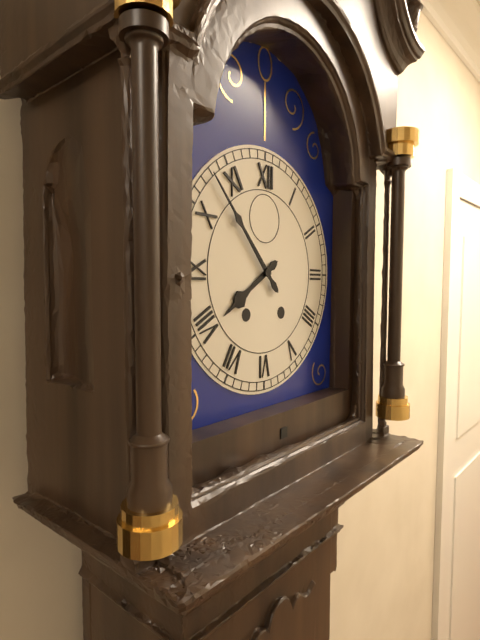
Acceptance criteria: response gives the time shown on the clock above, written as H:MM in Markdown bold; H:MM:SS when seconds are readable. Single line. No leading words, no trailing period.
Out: **7:53**
